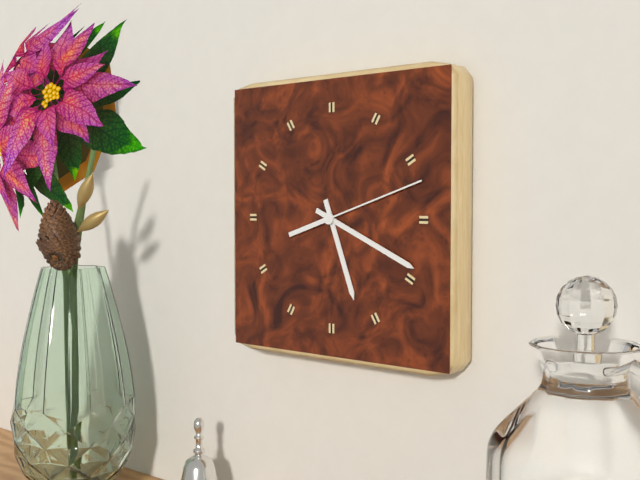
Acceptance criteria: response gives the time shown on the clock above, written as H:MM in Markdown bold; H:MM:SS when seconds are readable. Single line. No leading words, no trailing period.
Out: **5:19:12**
